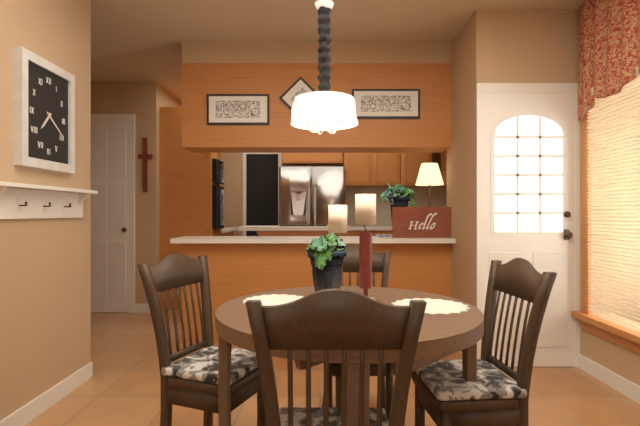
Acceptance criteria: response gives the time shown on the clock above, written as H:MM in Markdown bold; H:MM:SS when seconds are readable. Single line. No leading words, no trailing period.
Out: **7:21**
